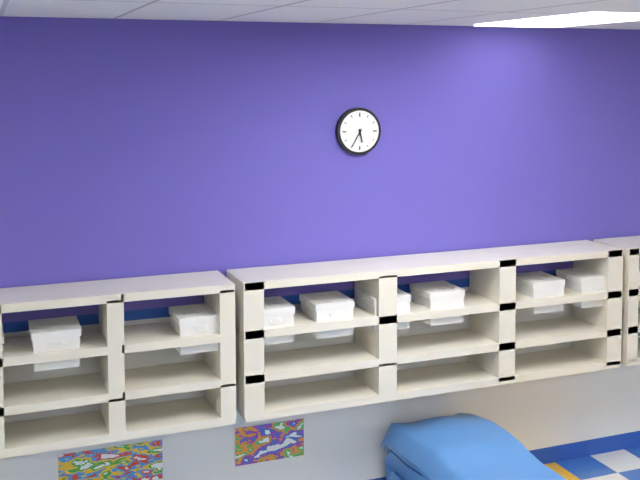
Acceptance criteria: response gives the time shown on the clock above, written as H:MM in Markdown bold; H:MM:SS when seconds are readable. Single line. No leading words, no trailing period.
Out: **5:35**
